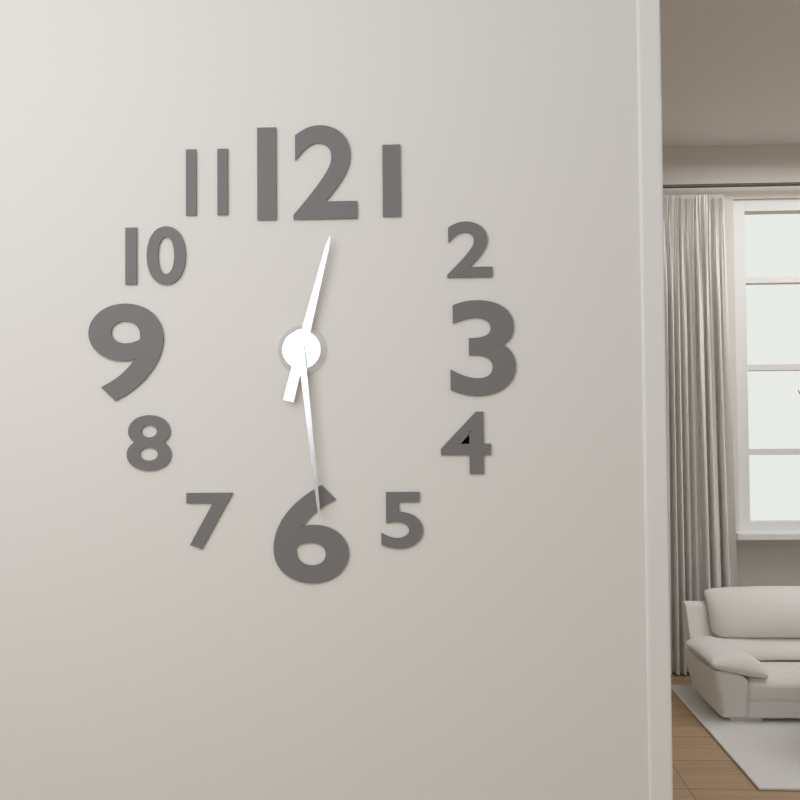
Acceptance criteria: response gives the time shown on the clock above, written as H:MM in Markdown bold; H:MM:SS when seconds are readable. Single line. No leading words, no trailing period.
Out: **12:29**
